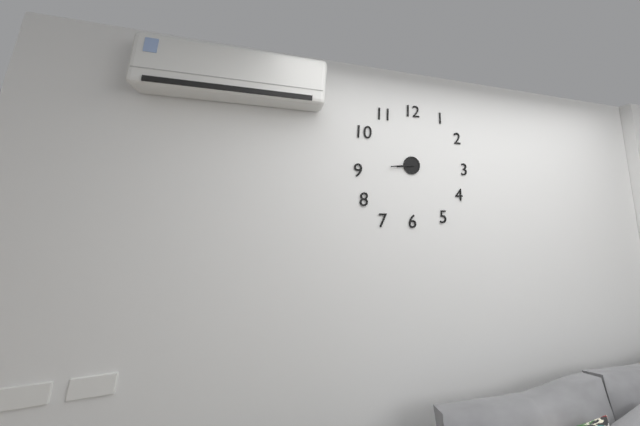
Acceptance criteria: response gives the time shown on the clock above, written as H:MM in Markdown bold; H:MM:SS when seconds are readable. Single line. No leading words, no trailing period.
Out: **8:44**
